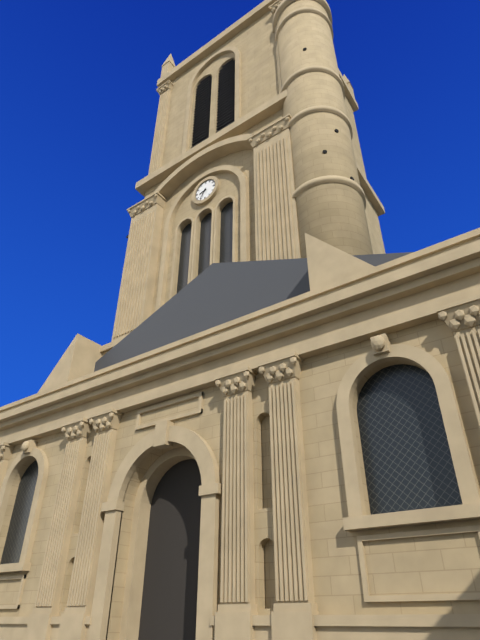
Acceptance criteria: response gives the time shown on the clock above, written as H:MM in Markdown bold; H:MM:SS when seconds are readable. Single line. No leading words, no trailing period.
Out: **8:35**
